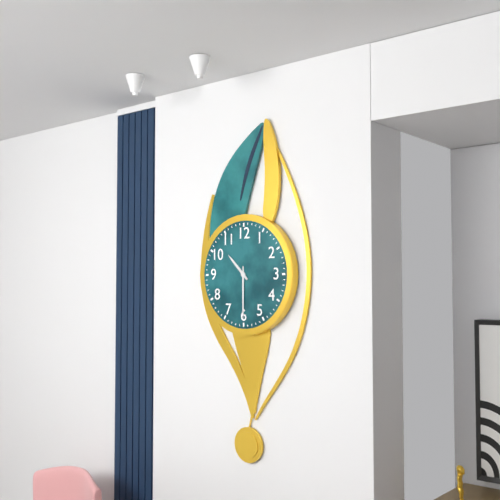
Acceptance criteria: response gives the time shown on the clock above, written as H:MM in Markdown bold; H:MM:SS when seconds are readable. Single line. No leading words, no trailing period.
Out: **10:30**
